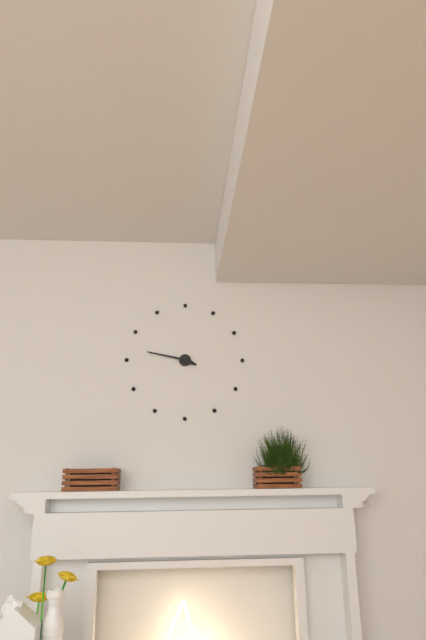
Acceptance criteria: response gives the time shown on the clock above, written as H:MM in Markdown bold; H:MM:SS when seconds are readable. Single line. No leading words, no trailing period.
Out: **3:47**
